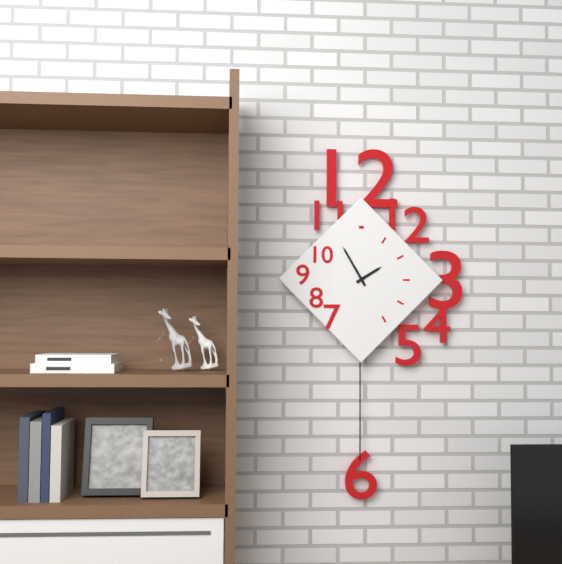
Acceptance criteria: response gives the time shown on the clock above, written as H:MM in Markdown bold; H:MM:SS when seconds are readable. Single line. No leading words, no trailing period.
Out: **1:55**
